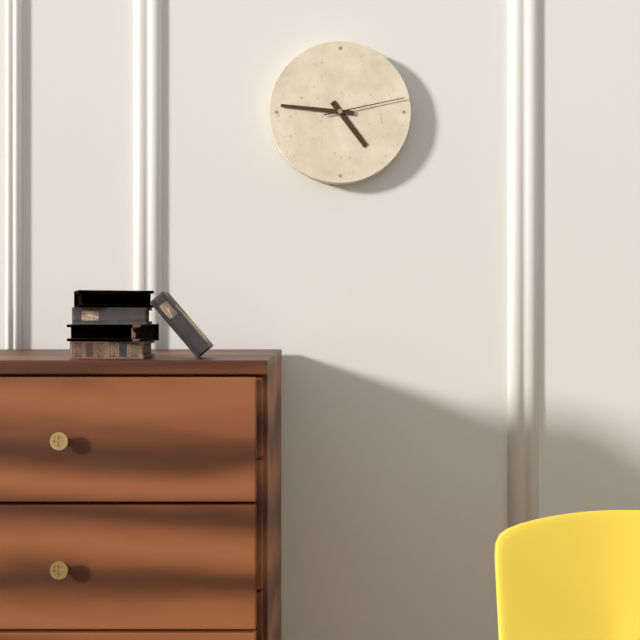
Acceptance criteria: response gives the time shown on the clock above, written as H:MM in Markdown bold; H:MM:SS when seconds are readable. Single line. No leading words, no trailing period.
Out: **4:46:13**
